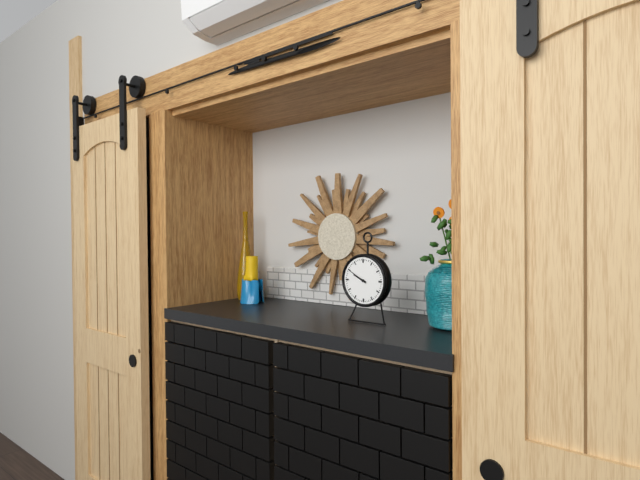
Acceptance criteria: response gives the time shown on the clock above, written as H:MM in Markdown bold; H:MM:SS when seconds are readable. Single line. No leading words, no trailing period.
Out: **9:50**
